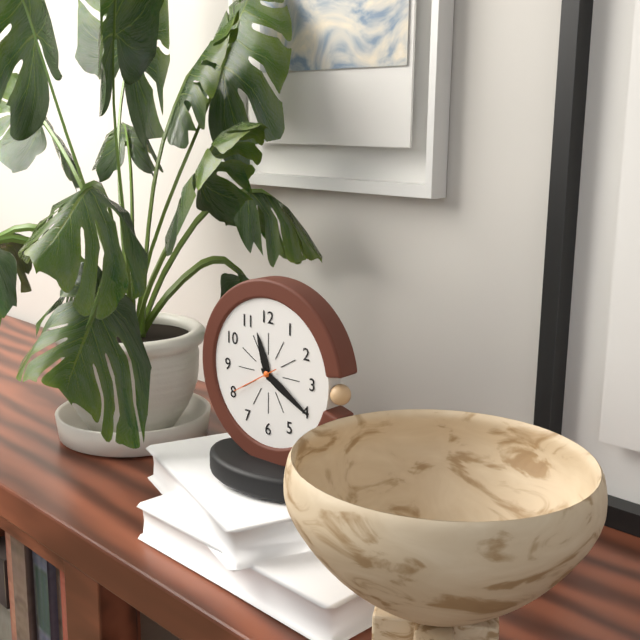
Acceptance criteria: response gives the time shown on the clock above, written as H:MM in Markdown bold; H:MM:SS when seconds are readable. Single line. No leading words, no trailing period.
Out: **11:20:40**
